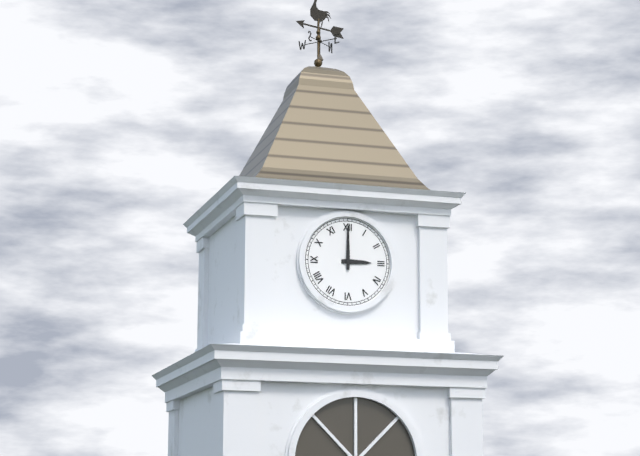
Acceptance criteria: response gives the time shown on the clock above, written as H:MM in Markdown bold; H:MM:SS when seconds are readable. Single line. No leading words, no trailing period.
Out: **3:00**
